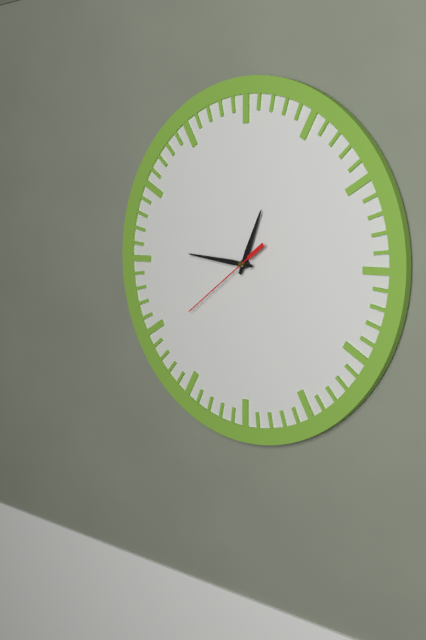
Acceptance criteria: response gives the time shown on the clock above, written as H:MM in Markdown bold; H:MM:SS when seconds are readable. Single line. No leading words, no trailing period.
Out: **12:46:39**
